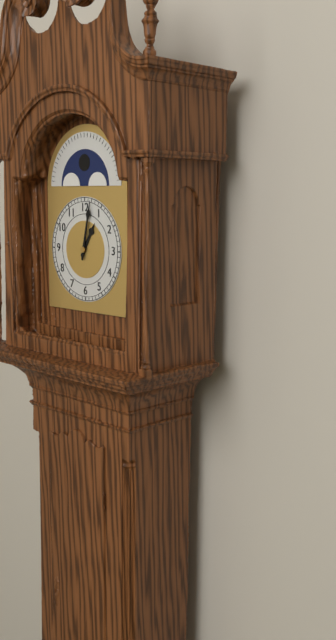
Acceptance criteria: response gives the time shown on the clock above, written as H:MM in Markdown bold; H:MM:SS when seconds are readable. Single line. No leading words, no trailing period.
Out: **1:02**
